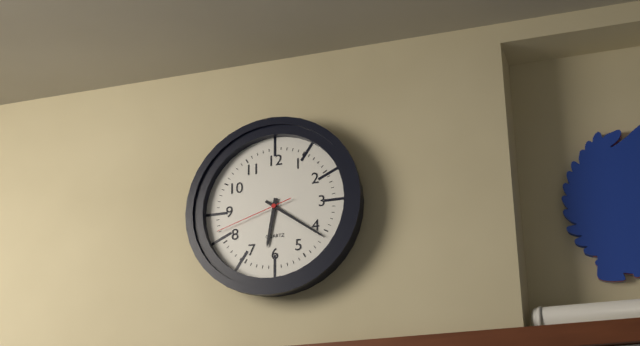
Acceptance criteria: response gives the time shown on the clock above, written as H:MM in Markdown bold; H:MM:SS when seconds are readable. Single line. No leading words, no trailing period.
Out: **6:21:42**
